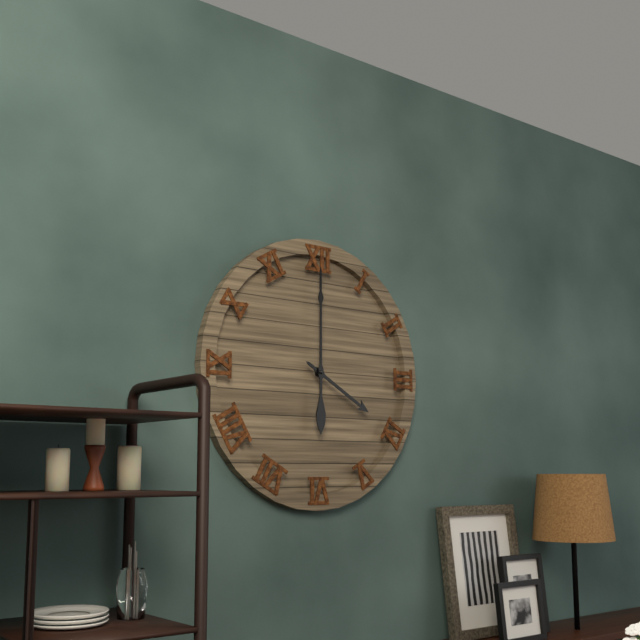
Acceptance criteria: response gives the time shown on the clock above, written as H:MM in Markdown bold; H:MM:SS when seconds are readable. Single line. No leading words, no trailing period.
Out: **4:00**
